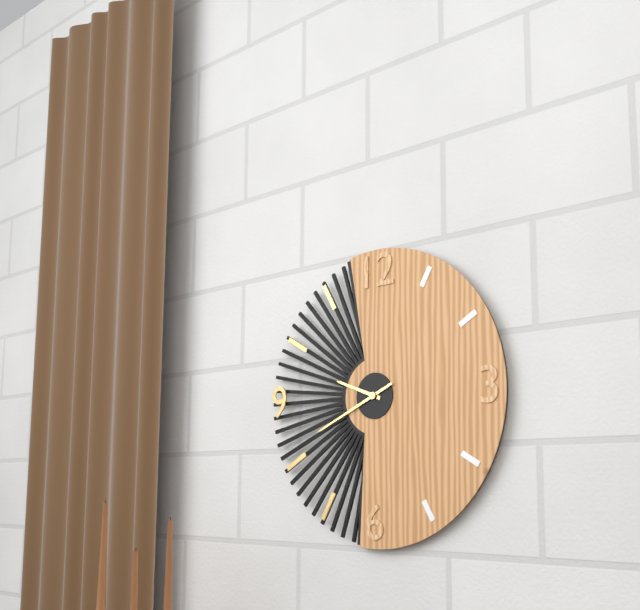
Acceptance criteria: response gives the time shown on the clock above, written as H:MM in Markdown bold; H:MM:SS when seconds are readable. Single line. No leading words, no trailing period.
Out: **9:41**
